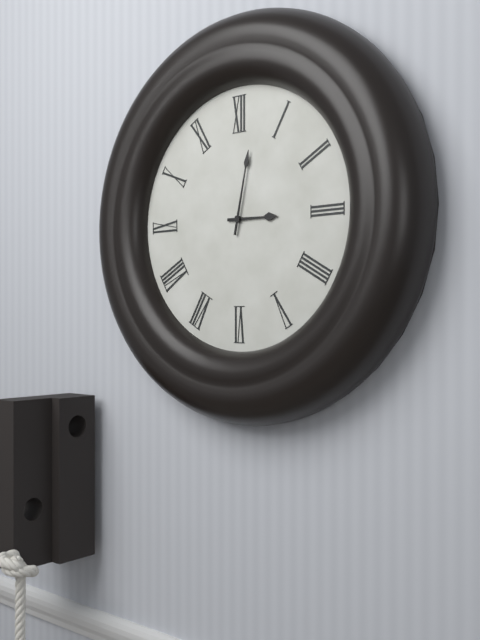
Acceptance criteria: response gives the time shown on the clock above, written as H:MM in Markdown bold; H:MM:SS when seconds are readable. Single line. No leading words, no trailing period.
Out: **3:02**
